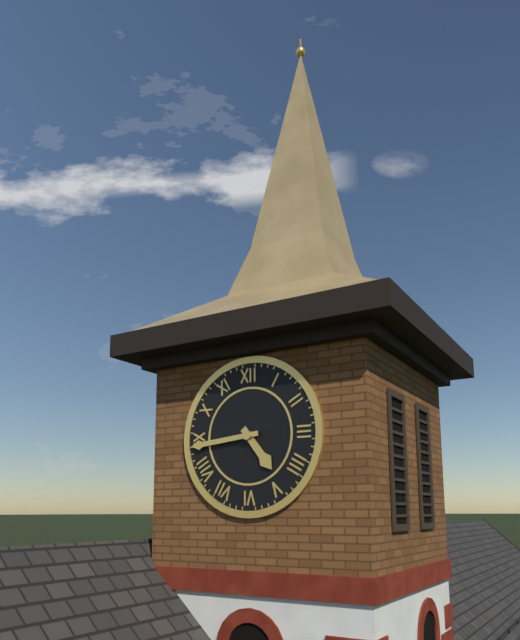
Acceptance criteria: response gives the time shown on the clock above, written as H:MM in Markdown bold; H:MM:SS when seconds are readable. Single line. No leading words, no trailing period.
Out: **4:44**
